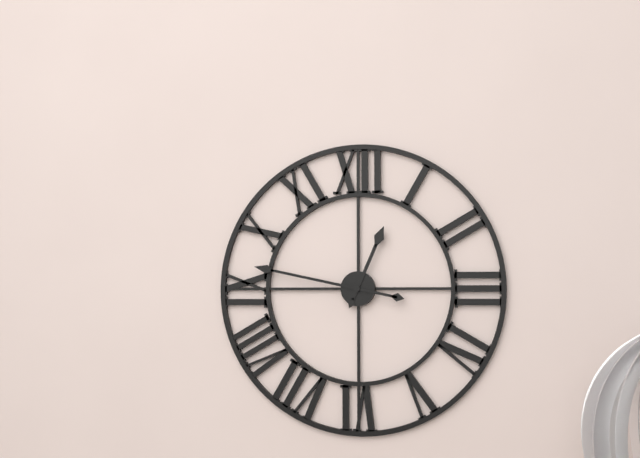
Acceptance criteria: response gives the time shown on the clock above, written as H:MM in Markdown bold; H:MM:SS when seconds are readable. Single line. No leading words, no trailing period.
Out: **12:47**
